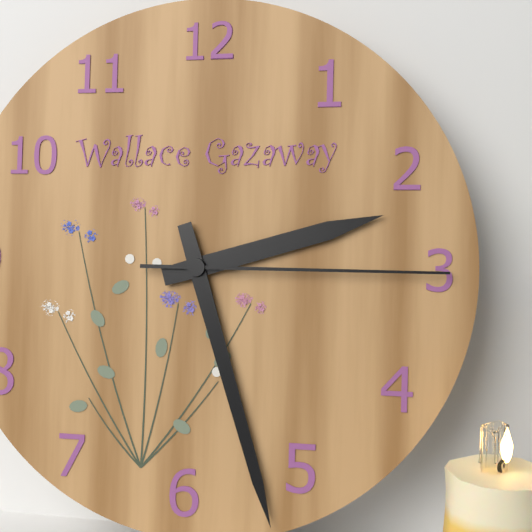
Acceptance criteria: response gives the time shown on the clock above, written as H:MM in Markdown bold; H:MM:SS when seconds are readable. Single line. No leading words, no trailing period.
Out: **2:27:15**
